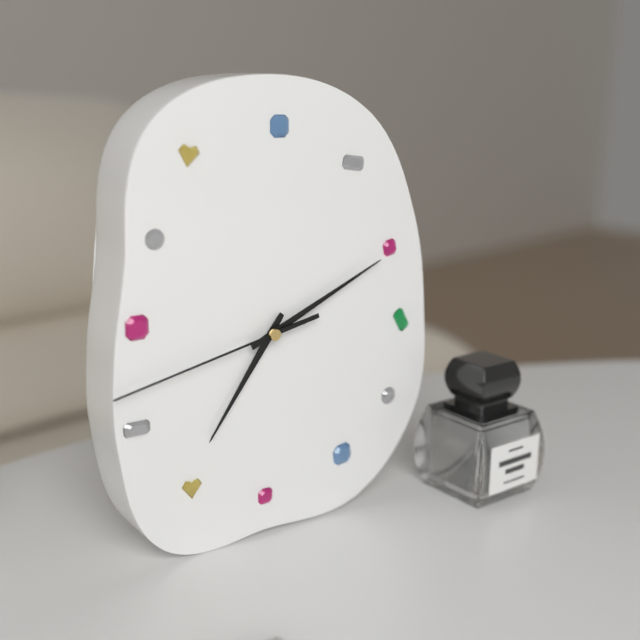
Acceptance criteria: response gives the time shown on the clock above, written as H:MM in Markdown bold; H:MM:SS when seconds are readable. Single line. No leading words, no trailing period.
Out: **7:11:43**
